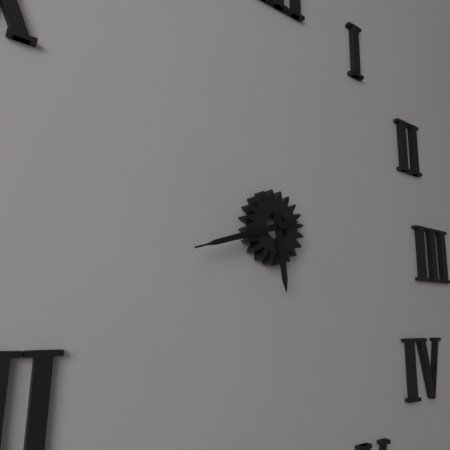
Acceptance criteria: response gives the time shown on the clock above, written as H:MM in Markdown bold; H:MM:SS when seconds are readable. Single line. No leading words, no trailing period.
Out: **5:42:42**
